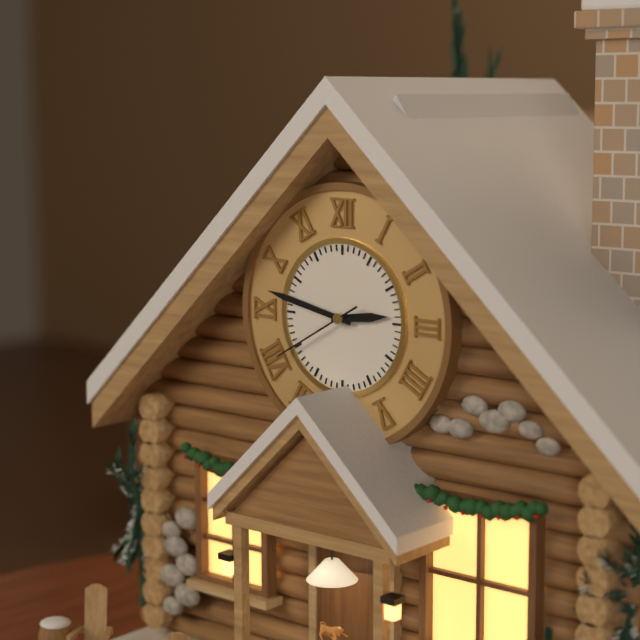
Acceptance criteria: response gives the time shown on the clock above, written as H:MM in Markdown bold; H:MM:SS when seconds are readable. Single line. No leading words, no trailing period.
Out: **2:47:40**
